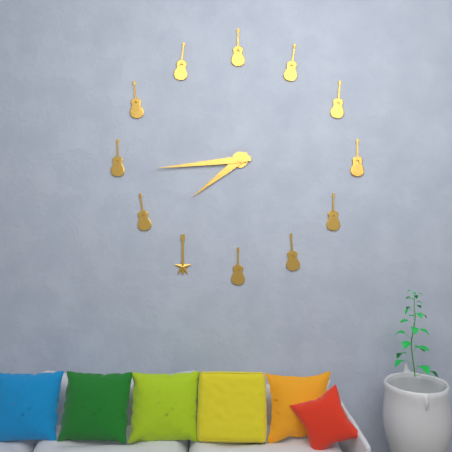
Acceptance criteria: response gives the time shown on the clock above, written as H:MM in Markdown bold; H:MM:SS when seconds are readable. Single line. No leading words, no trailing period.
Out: **7:44**
